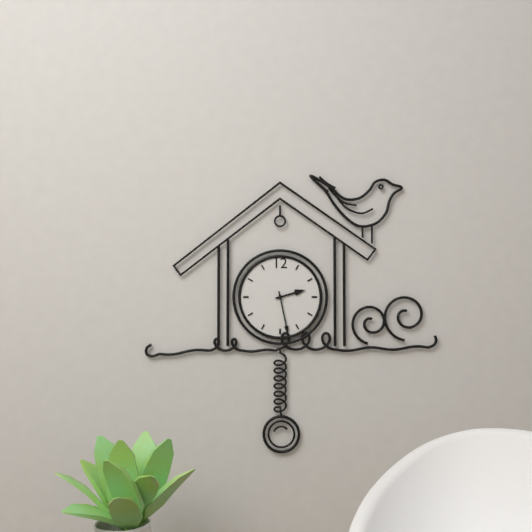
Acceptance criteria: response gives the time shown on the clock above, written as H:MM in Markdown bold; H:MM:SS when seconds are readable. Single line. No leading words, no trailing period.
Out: **2:28**
